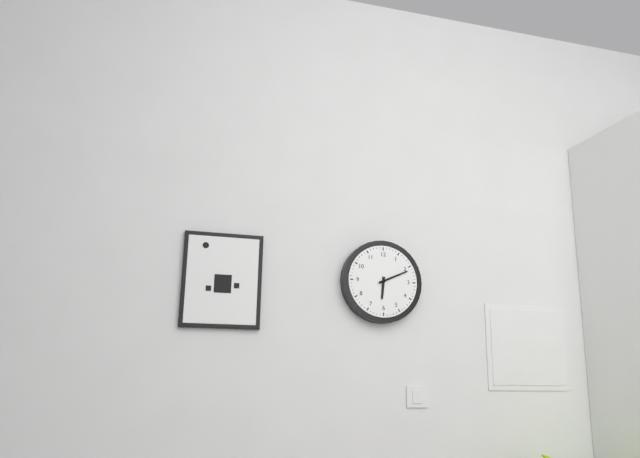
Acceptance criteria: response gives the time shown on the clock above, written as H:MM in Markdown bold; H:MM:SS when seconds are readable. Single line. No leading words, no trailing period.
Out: **6:11**
